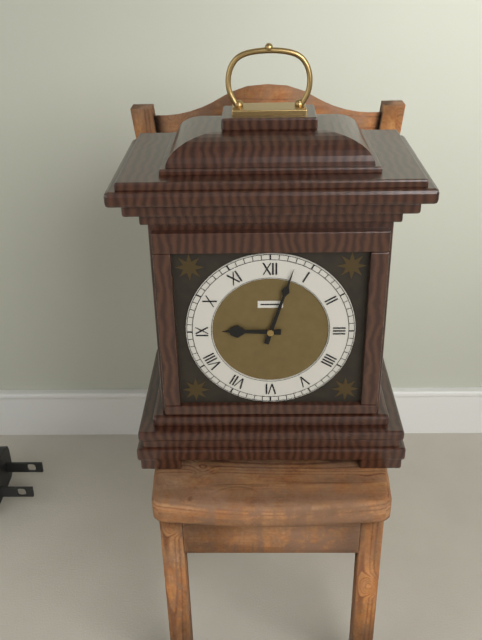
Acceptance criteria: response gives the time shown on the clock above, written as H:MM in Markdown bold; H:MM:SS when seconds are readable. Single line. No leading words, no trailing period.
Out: **9:03**
